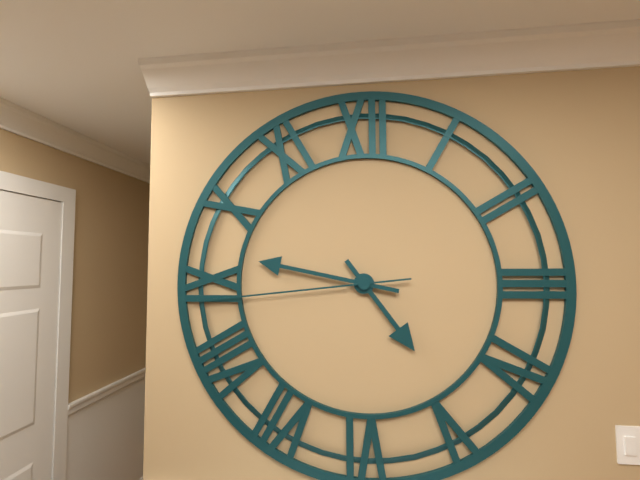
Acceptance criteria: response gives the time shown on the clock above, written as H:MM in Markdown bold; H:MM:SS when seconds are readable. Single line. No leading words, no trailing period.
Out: **4:47:44**
